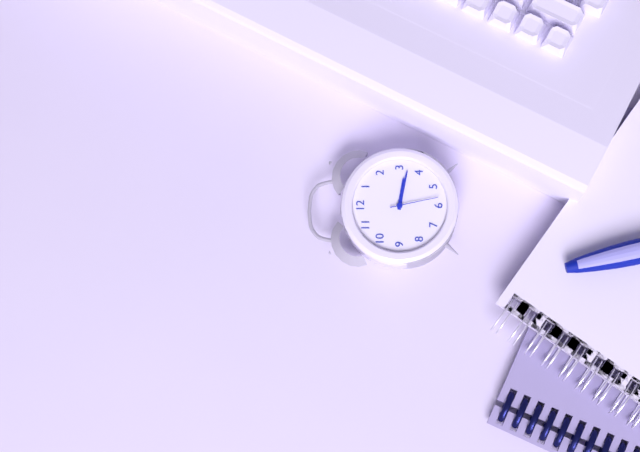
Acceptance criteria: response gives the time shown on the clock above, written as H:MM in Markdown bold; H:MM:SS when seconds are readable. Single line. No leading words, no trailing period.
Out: **3:17**
